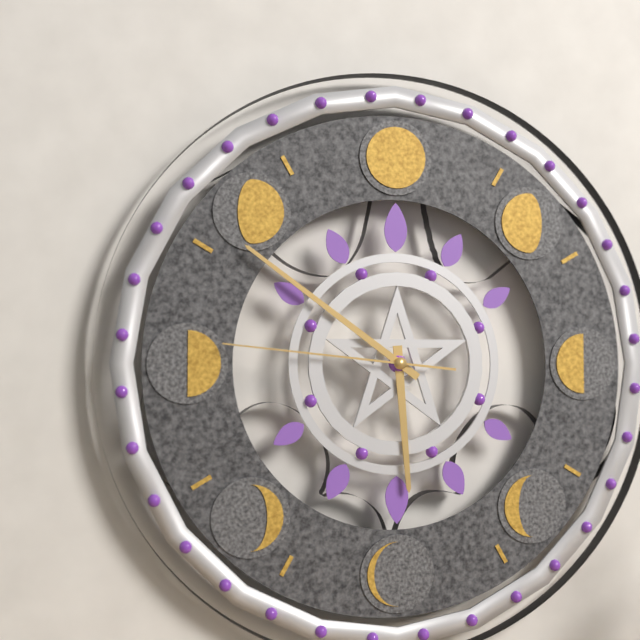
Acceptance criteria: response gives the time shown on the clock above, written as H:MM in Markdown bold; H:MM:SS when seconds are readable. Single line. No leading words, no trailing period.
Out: **5:51:46**
